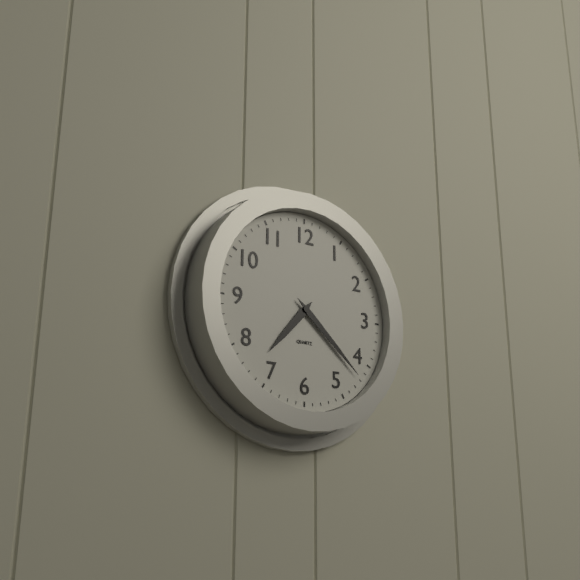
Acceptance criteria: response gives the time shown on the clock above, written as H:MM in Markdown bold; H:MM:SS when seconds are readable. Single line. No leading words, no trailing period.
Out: **7:22**
